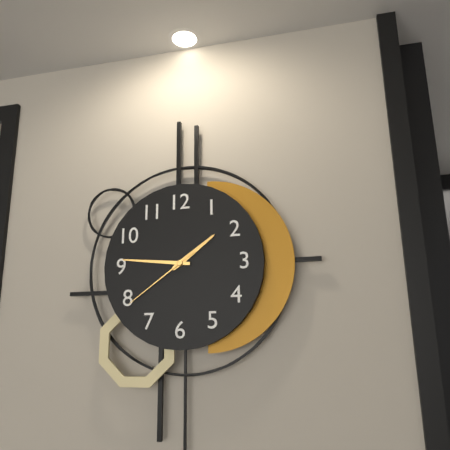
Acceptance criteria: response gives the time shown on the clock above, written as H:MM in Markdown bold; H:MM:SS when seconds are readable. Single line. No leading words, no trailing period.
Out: **1:46:39**
